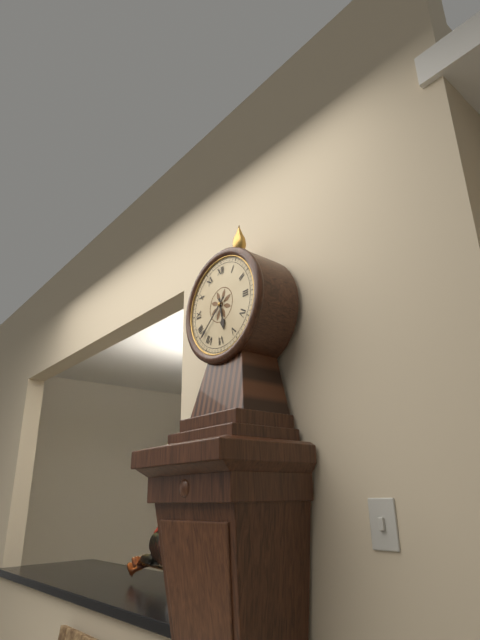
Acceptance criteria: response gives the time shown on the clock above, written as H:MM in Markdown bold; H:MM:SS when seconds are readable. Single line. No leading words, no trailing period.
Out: **5:38**
